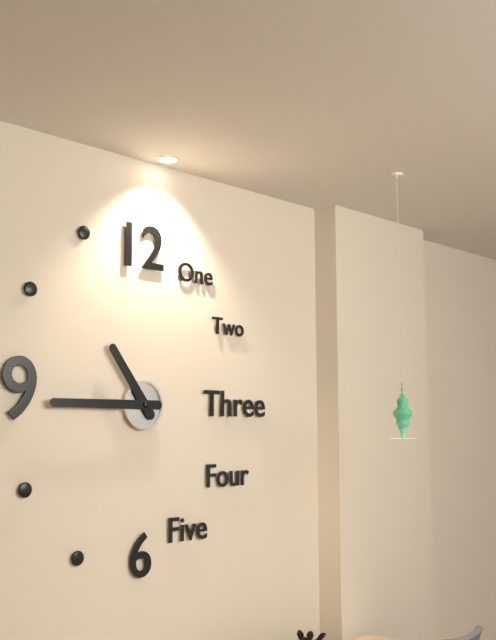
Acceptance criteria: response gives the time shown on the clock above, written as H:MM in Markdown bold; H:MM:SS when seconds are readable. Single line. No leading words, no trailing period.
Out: **10:45**
